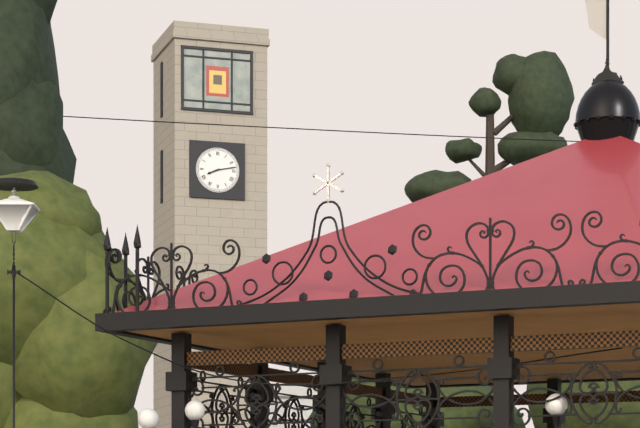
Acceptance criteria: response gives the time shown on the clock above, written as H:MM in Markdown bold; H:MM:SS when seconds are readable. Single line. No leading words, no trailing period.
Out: **8:13**
